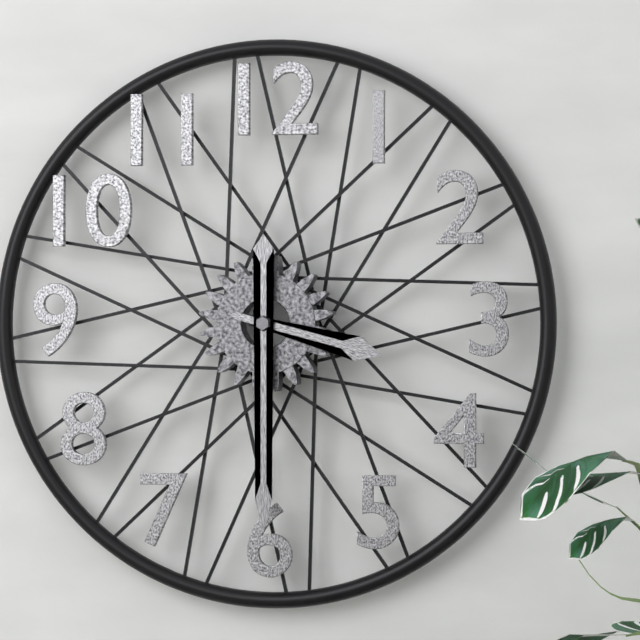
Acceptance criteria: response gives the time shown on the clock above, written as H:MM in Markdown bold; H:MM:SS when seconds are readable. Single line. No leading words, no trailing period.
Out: **3:30**
